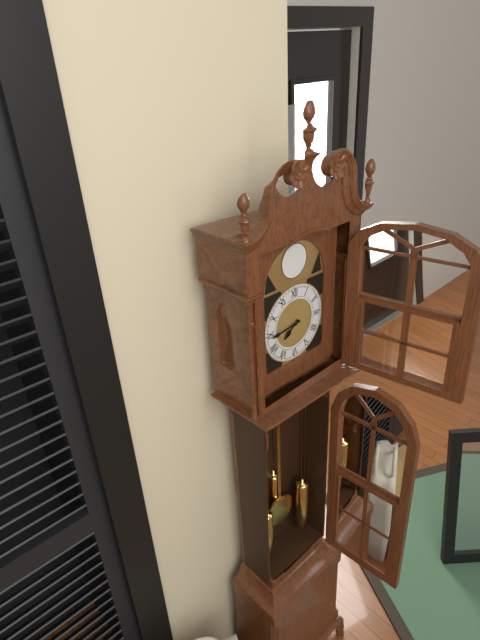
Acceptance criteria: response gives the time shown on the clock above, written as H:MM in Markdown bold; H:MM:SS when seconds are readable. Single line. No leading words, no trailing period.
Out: **7:44**
